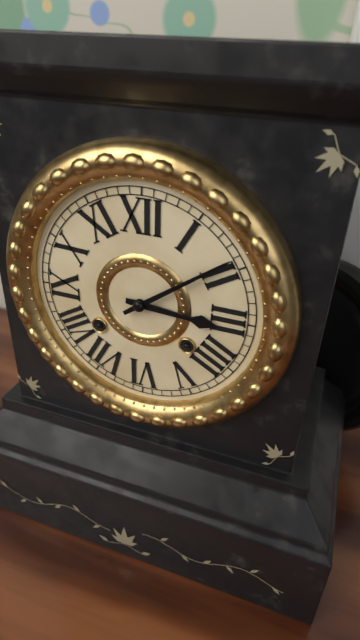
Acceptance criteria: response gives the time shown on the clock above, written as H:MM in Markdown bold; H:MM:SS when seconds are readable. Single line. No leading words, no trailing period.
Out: **3:09**
